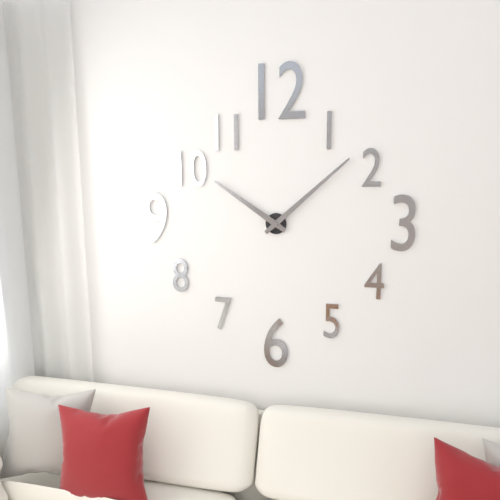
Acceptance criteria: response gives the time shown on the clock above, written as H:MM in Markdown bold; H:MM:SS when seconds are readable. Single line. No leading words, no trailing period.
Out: **10:08**
